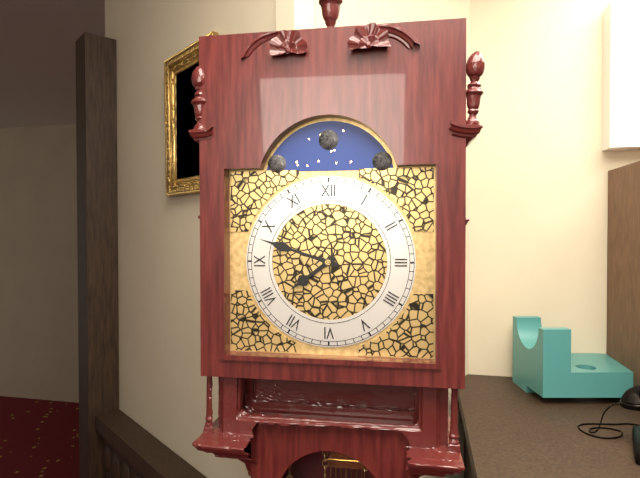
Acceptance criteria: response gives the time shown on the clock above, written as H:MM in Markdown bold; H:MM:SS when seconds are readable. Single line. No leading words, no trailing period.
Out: **7:48**
